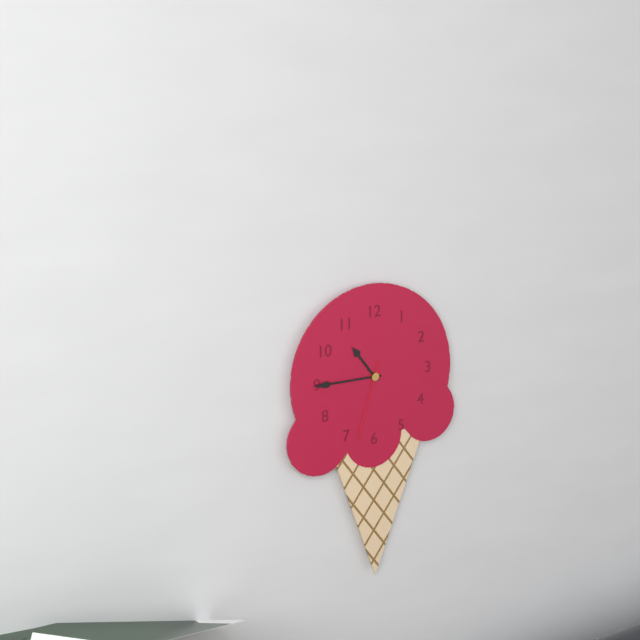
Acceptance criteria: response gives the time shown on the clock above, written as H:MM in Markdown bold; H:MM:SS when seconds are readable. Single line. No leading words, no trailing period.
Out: **10:45:33**
